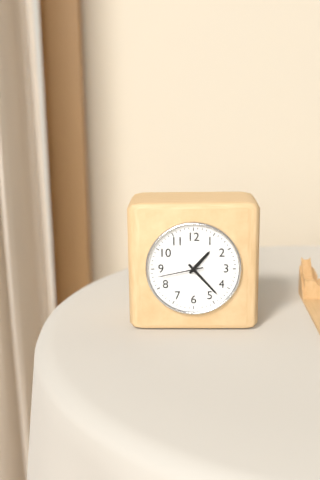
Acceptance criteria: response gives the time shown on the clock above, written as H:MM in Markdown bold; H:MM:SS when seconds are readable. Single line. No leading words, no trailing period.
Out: **1:23**
